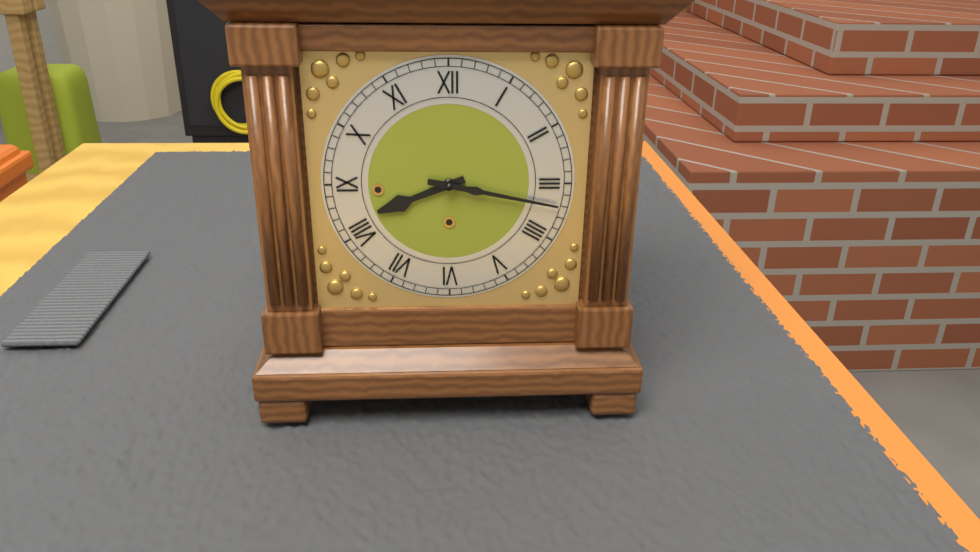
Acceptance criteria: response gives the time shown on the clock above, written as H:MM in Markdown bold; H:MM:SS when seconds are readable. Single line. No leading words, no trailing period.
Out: **8:17**
